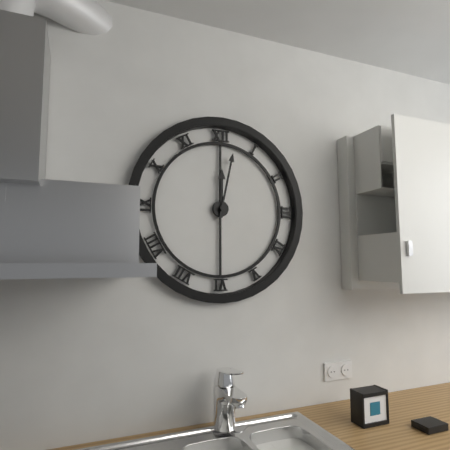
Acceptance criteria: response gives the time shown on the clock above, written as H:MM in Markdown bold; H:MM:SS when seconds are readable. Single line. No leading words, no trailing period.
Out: **12:02**
